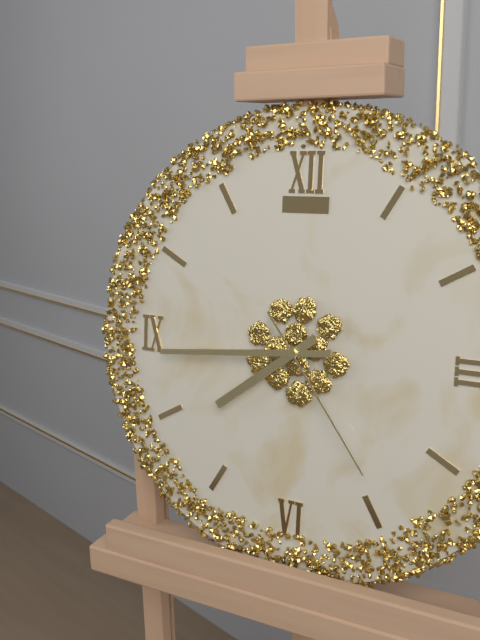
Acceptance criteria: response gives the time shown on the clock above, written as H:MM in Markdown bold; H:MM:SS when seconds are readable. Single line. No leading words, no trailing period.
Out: **7:44:24**
